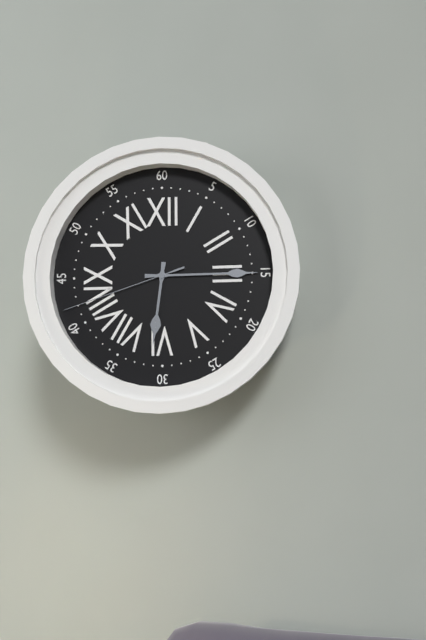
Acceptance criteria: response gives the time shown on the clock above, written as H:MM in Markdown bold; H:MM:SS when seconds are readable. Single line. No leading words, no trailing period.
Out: **6:15:42**
